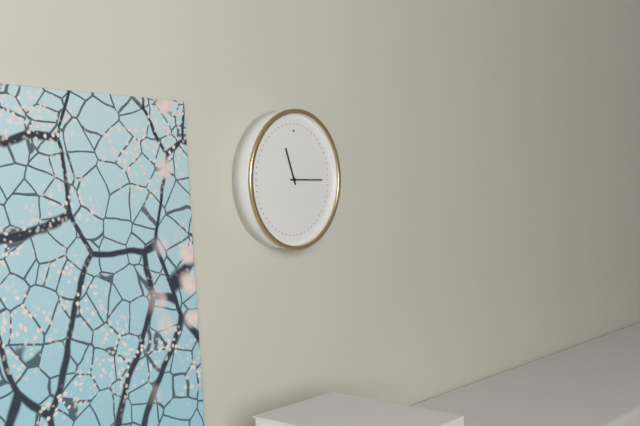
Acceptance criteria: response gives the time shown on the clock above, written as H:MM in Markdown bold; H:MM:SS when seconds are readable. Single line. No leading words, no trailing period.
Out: **11:15**
